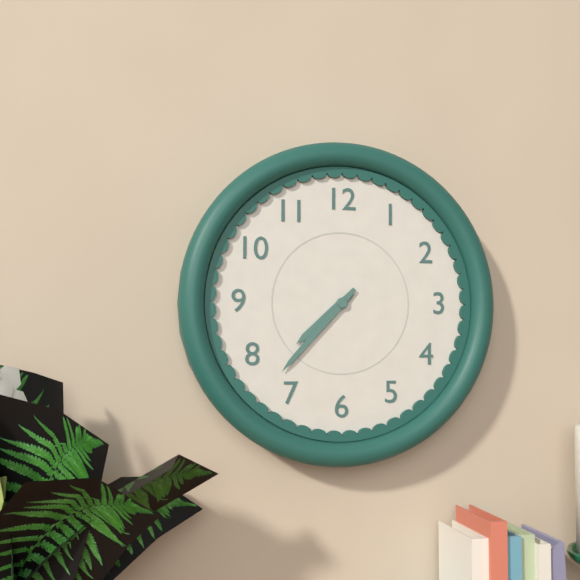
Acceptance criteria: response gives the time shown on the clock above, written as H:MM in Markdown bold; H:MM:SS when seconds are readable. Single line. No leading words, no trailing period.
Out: **7:37**
